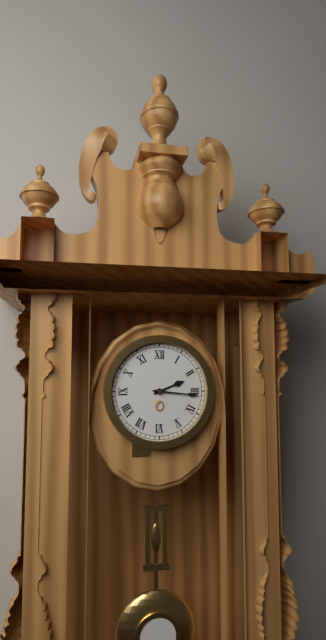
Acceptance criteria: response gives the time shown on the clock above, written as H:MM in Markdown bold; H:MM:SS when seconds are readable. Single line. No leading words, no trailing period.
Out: **2:16**
